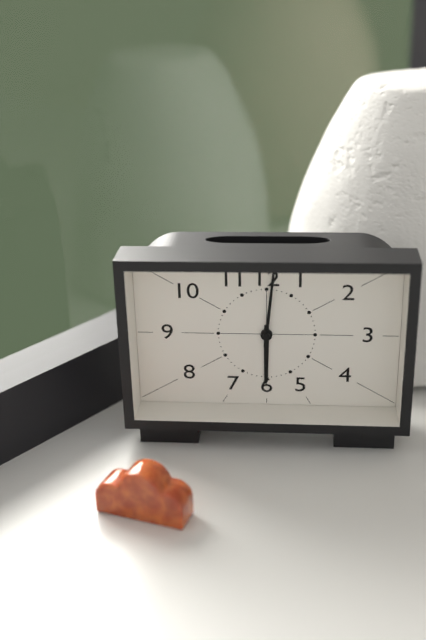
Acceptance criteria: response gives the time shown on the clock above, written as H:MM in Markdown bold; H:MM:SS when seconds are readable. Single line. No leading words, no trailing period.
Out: **6:01**
